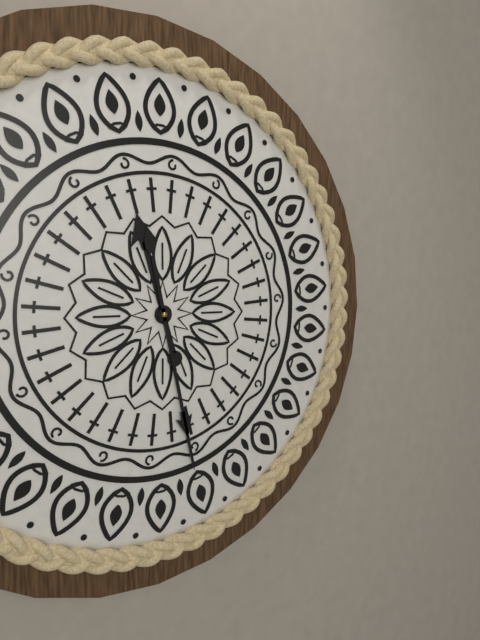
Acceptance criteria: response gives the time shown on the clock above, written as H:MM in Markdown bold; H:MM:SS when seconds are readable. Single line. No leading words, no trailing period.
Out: **11:28**
